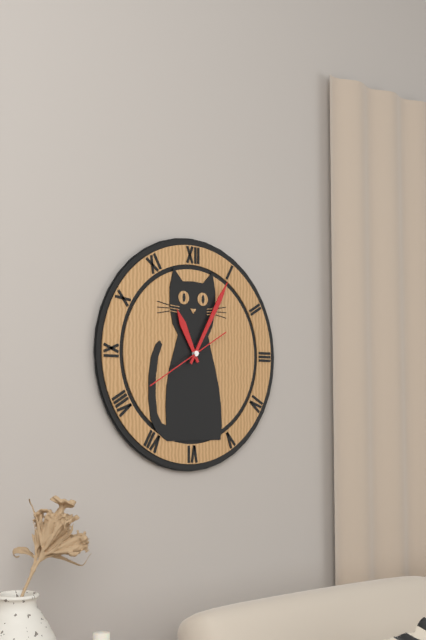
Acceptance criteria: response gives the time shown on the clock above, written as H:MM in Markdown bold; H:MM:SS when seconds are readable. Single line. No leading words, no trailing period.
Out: **11:05:40**
